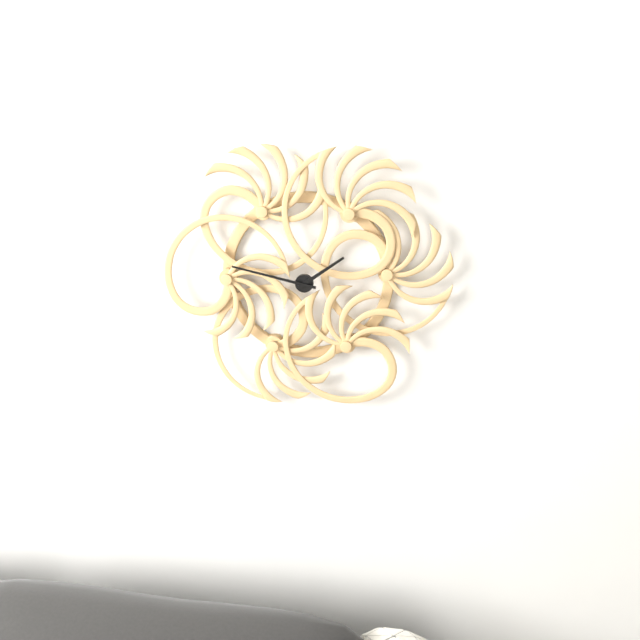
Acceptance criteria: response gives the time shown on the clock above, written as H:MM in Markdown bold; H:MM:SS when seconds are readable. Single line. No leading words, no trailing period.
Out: **1:47**
